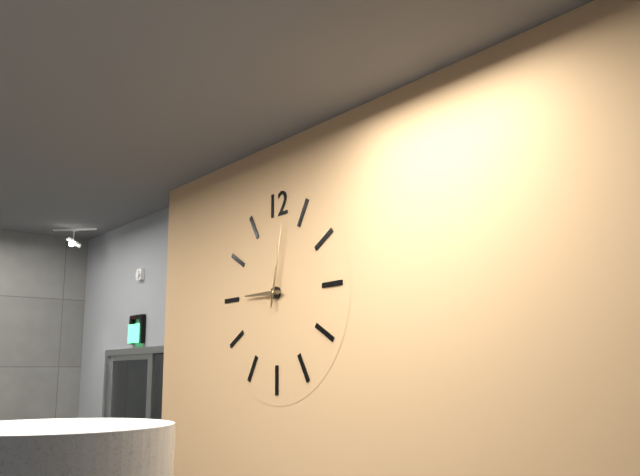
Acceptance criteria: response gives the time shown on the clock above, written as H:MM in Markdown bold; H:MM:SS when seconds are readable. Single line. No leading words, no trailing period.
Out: **9:02**
